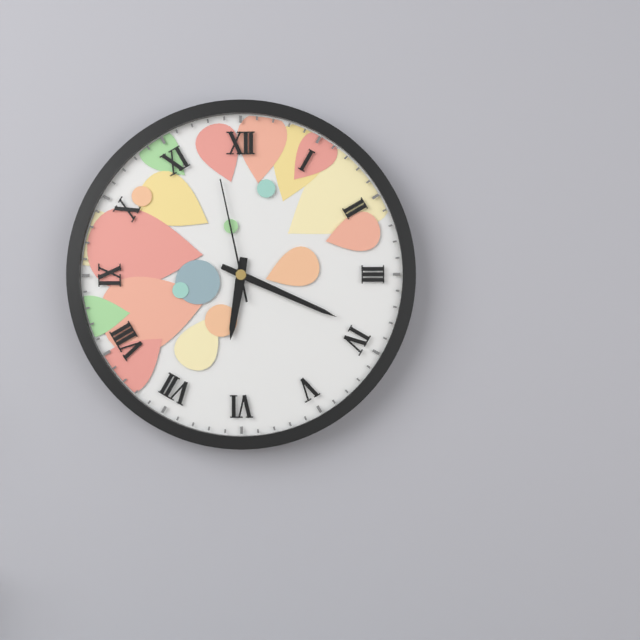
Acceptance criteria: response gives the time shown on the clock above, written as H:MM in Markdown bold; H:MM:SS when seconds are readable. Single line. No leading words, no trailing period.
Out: **6:19:58**
